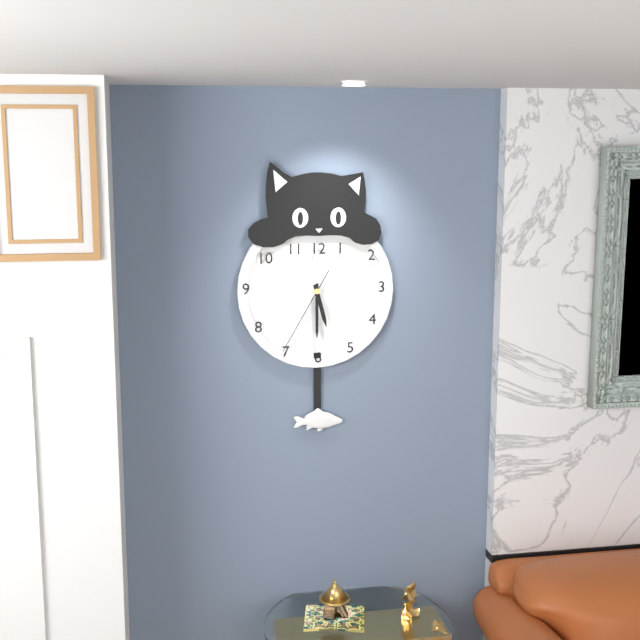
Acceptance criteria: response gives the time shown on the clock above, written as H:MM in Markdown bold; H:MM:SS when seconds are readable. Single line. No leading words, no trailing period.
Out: **5:30:35**
